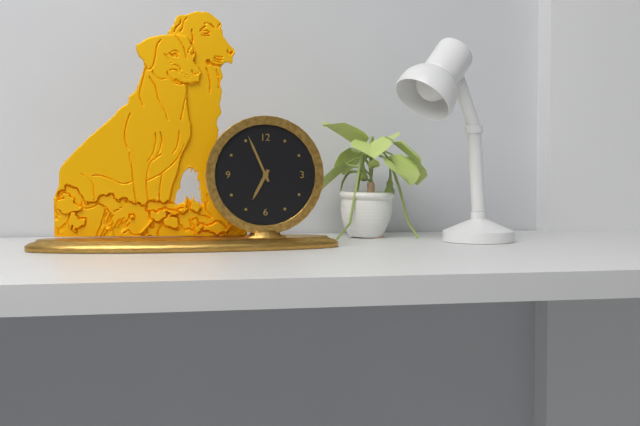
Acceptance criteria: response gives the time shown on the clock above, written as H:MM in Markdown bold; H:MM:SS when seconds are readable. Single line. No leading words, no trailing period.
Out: **6:56**
